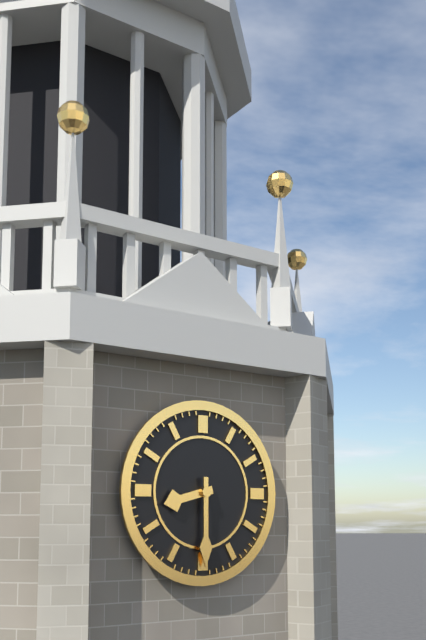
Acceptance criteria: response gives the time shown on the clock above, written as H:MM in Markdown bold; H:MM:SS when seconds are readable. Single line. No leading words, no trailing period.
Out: **8:30**
